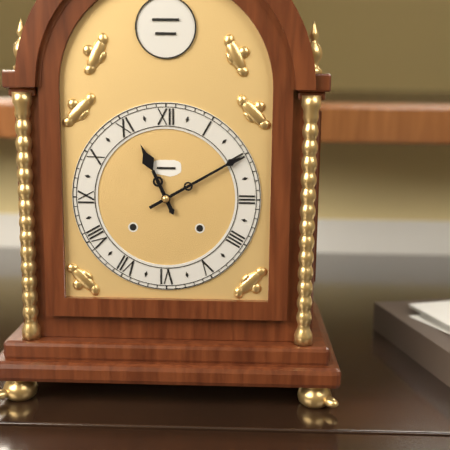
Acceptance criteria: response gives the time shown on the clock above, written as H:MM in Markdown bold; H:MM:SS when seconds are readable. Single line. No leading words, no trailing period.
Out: **11:10**
